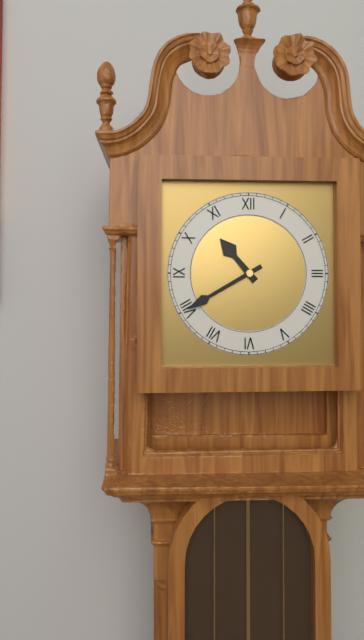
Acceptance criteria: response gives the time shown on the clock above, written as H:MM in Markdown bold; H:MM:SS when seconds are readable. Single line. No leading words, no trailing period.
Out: **10:40**
